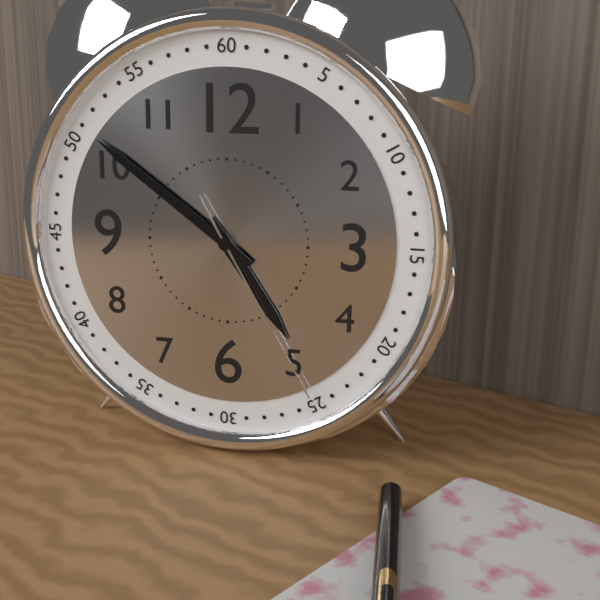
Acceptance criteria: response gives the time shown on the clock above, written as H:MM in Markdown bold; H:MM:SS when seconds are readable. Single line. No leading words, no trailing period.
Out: **4:51:25**
